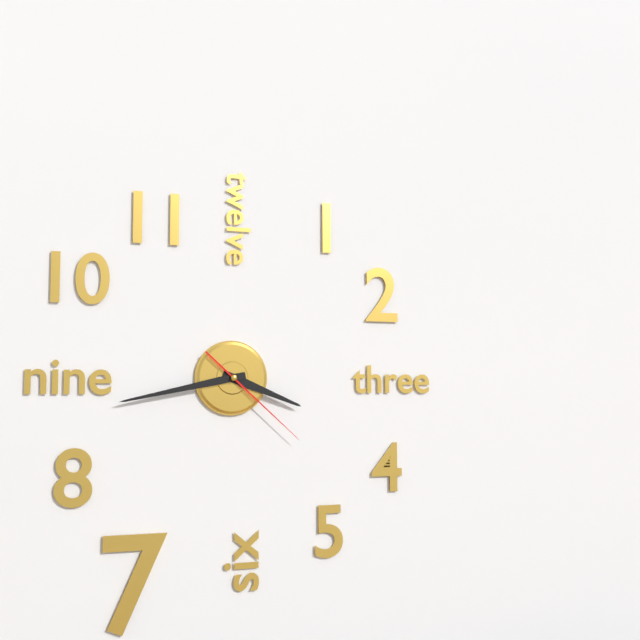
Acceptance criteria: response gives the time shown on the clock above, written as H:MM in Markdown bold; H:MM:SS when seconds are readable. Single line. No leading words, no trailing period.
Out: **3:43:22**
